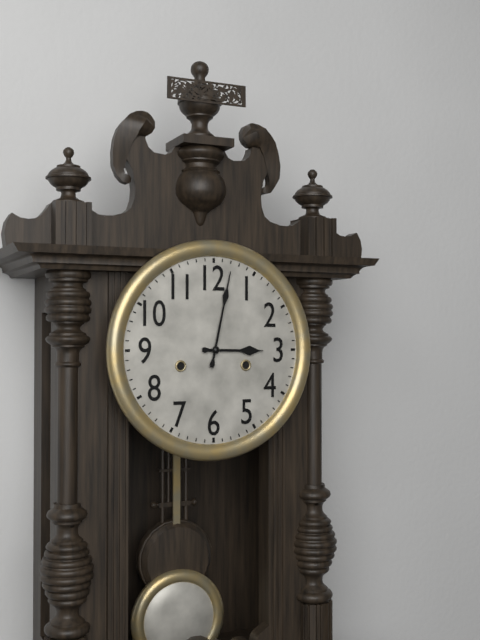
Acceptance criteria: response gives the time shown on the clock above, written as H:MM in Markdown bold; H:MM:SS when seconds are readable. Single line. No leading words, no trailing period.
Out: **3:02**
